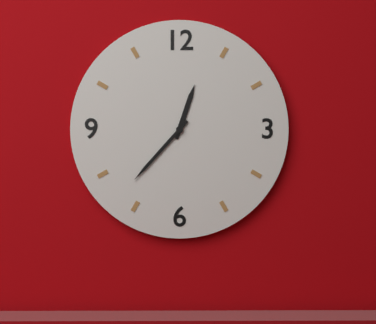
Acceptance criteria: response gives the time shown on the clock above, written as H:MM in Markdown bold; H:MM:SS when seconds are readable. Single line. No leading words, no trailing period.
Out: **12:37**
